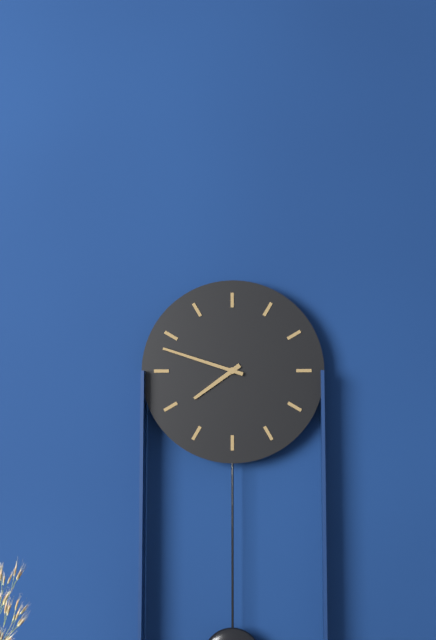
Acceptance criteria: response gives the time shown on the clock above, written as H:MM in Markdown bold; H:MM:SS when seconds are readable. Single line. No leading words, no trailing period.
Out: **7:48**
